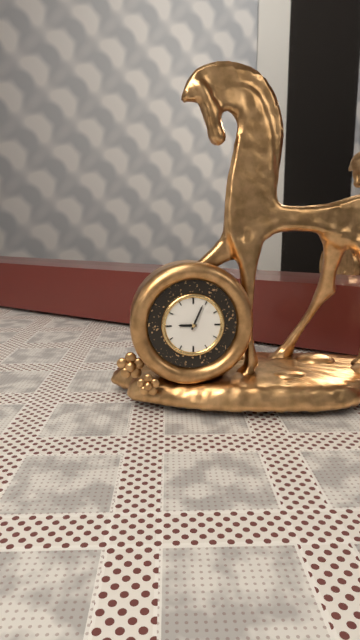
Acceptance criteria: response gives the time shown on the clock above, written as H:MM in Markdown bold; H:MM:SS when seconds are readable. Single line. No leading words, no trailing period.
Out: **9:04**
